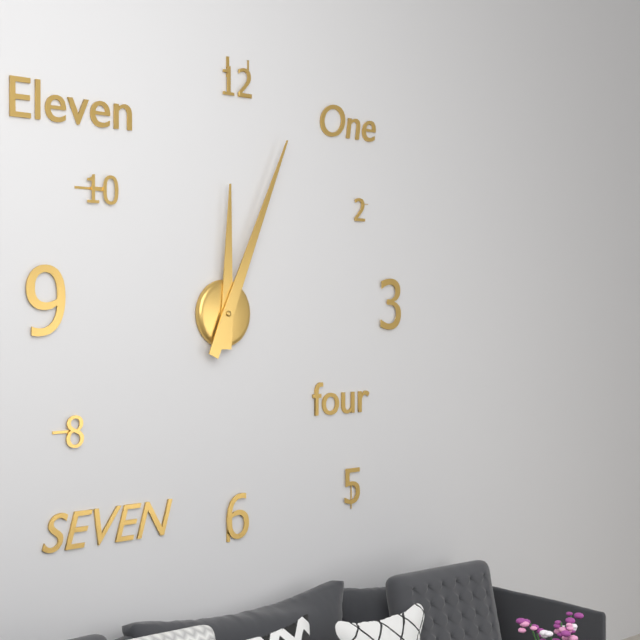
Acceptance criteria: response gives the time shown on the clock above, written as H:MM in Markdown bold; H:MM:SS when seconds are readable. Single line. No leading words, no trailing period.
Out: **12:04**
